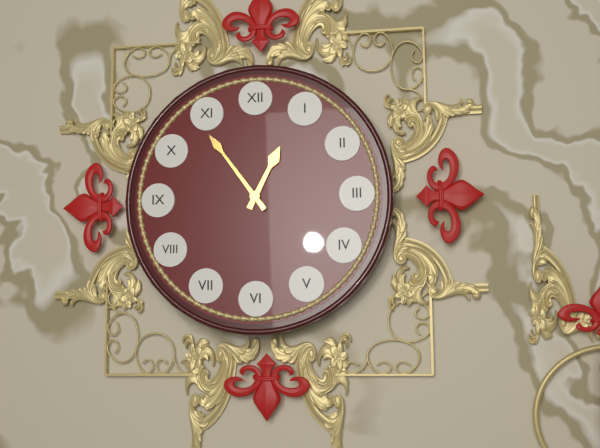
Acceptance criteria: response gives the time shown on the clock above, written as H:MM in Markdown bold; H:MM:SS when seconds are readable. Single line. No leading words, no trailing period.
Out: **12:54**
